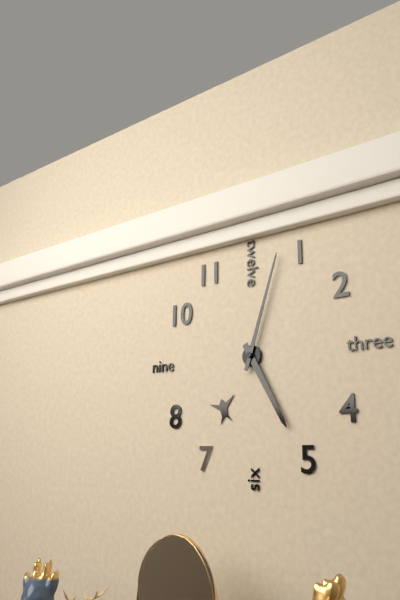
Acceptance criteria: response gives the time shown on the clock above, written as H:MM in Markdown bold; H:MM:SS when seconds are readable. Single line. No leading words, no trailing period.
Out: **5:03**
